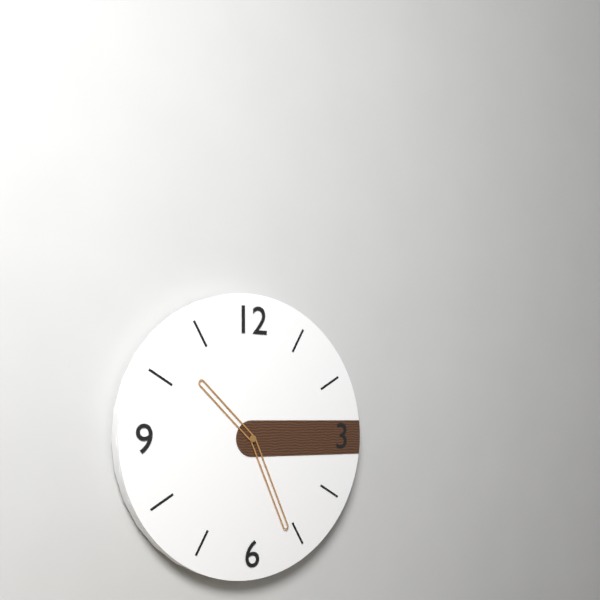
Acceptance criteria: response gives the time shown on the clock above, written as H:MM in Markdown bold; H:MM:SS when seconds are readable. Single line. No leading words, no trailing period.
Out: **10:26**
